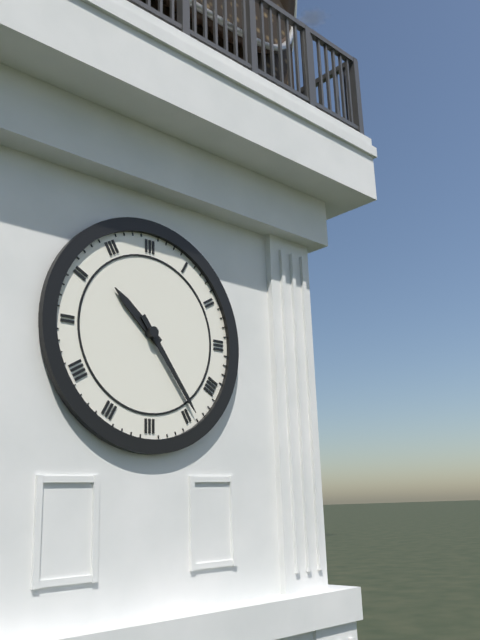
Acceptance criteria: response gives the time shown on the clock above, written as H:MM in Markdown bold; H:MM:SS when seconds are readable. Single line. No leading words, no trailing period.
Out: **10:24**
